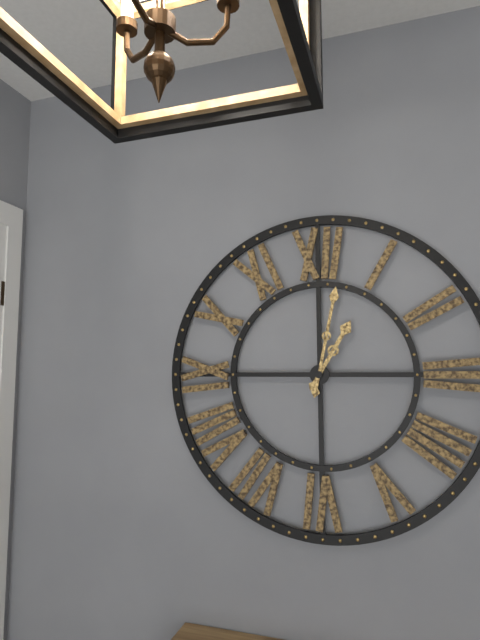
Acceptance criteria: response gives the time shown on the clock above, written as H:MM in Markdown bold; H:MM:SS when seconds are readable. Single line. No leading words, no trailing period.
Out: **1:02**
